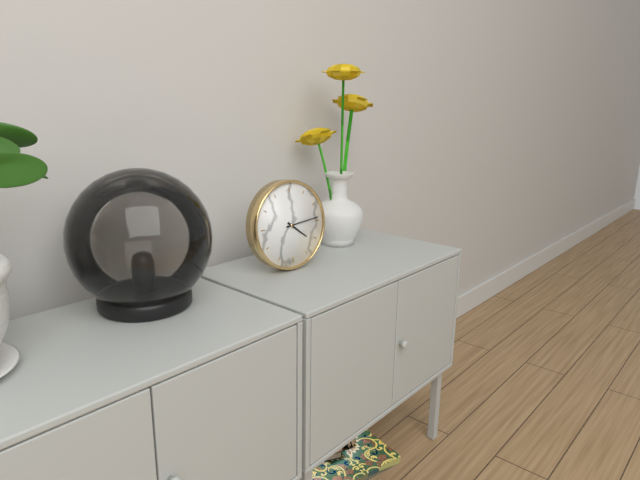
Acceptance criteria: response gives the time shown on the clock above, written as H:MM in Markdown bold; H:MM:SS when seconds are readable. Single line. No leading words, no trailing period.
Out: **4:14**
